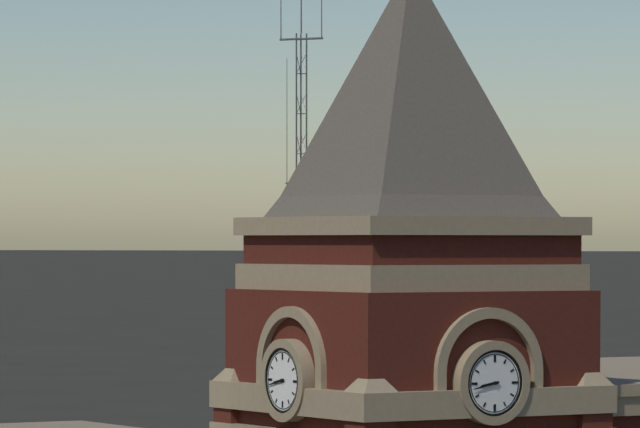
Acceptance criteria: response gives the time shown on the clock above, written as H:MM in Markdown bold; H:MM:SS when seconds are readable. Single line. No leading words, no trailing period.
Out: **8:43**
